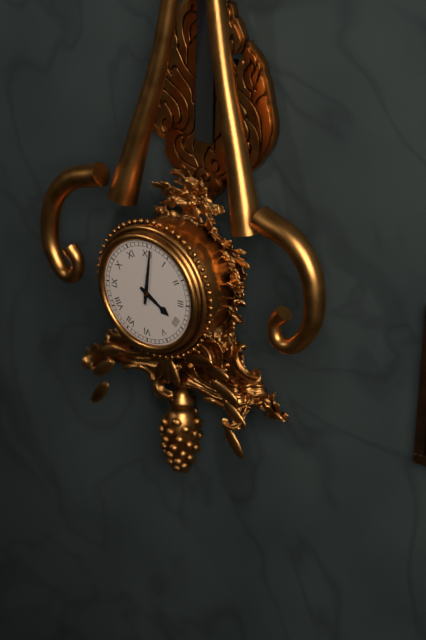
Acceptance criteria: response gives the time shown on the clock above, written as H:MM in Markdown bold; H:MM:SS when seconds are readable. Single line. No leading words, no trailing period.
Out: **4:01**
